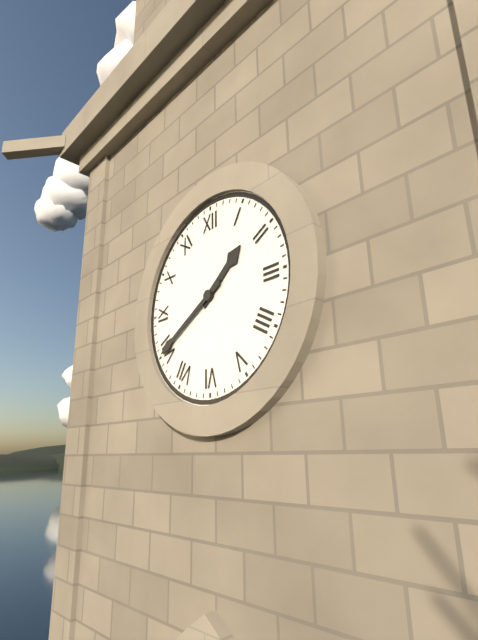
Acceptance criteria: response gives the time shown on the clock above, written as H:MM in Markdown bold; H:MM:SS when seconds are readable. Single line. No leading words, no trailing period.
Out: **1:40**
